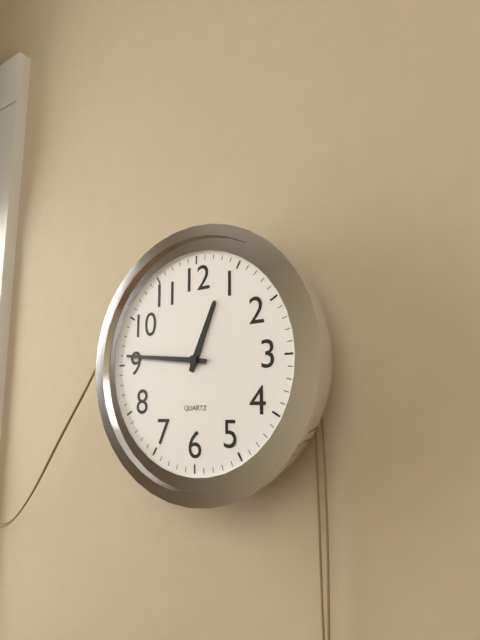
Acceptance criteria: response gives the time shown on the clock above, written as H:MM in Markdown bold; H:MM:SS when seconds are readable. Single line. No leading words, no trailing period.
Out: **12:46**
